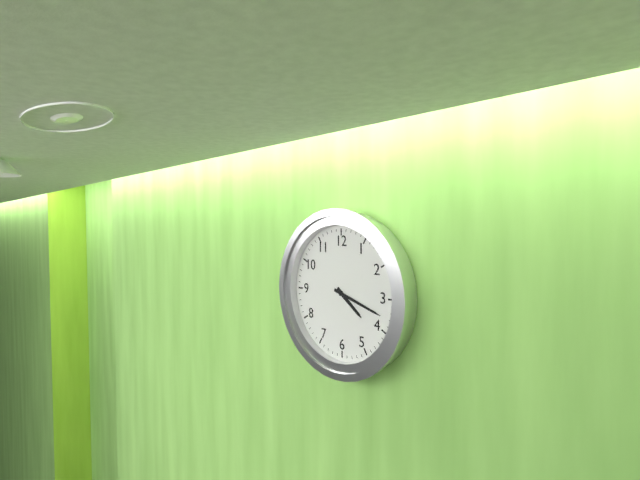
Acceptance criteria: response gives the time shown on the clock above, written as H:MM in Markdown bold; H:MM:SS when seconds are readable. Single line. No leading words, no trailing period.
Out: **4:18**
